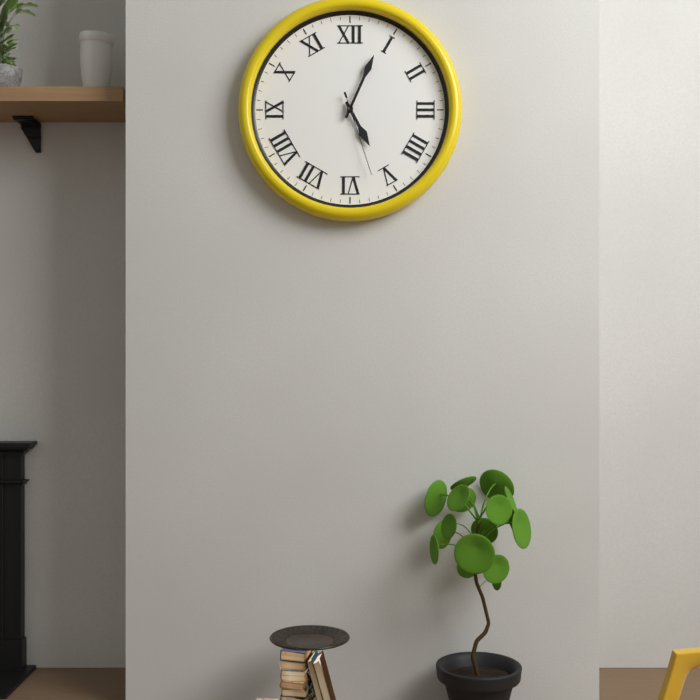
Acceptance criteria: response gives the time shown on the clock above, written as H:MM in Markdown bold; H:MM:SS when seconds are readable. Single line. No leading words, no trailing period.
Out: **5:04:27**
